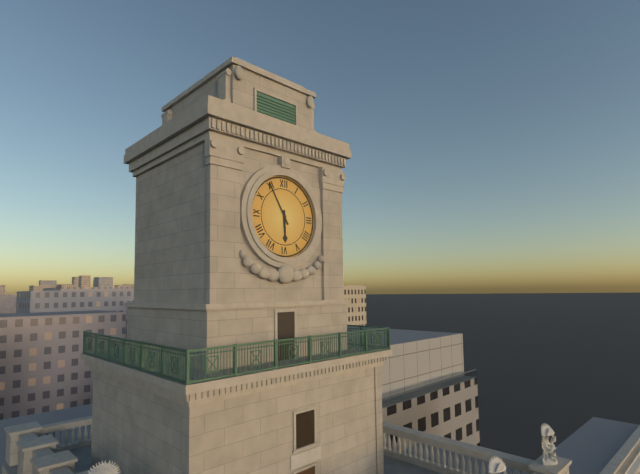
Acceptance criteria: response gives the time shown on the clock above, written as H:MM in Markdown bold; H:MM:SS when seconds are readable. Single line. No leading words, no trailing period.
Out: **5:55**
